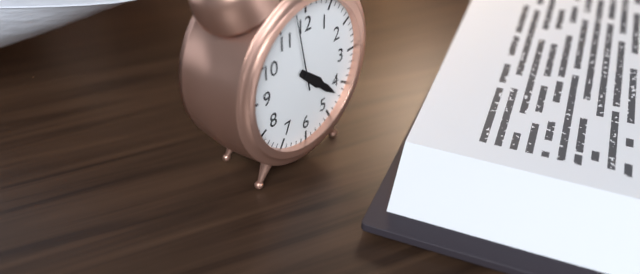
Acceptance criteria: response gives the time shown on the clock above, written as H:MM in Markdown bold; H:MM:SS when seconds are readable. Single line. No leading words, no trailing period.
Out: **4:22:58**
